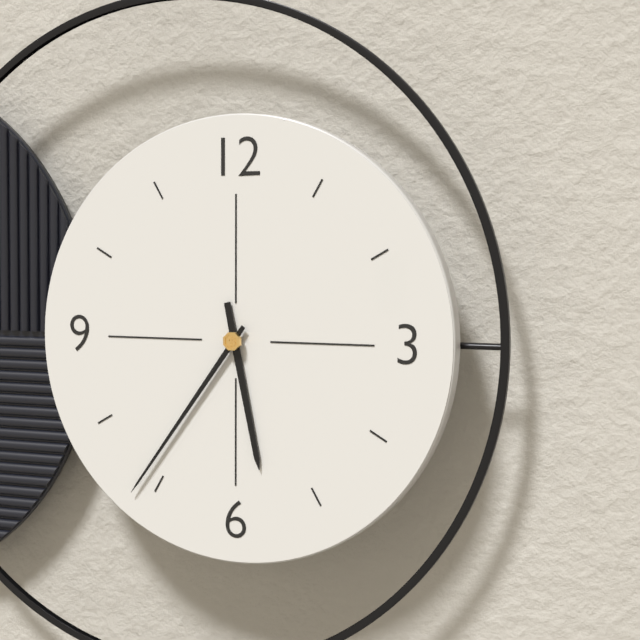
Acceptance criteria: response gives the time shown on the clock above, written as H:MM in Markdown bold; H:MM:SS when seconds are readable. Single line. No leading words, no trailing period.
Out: **5:36**
